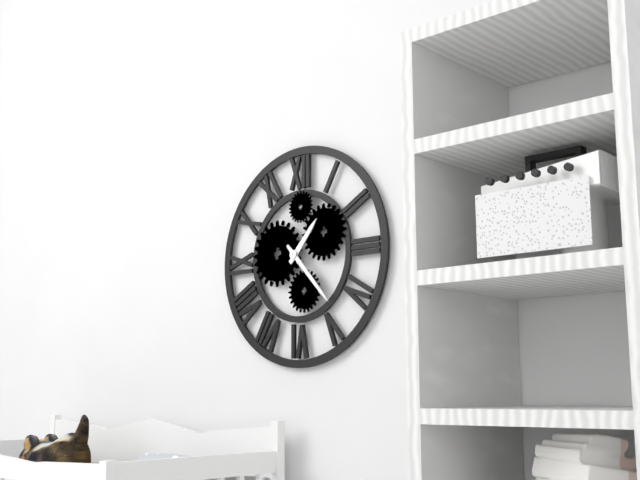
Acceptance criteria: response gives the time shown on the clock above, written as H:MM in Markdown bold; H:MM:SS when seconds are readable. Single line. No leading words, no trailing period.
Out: **1:23**
